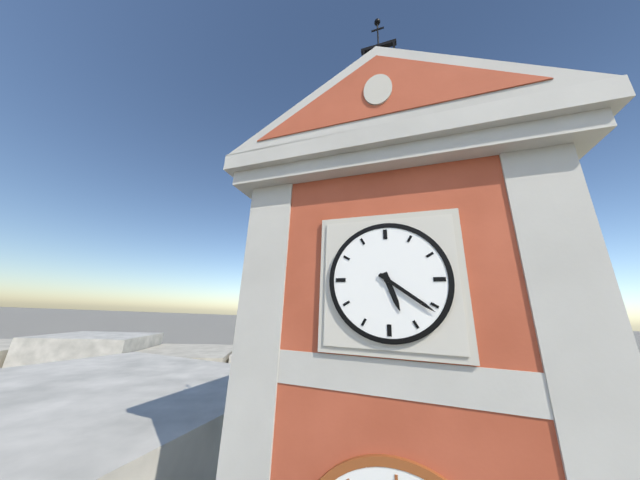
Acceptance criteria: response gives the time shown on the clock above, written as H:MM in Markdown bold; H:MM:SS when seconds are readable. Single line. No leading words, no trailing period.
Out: **5:21**
